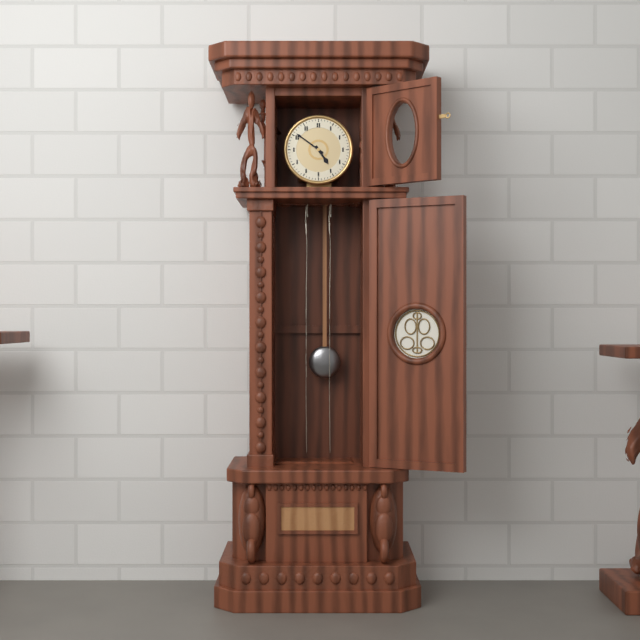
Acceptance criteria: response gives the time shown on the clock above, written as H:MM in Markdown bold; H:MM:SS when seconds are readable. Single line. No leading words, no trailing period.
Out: **4:51**
